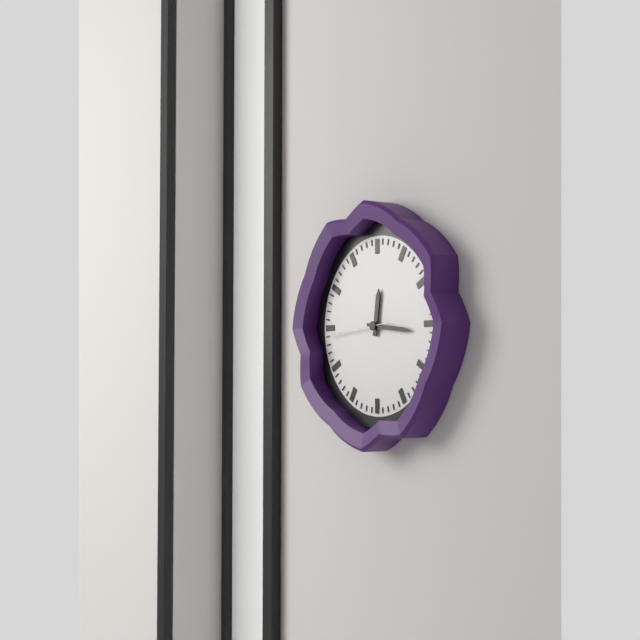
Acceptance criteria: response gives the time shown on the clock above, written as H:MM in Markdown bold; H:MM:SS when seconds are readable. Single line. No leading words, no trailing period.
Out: **12:16:44**
